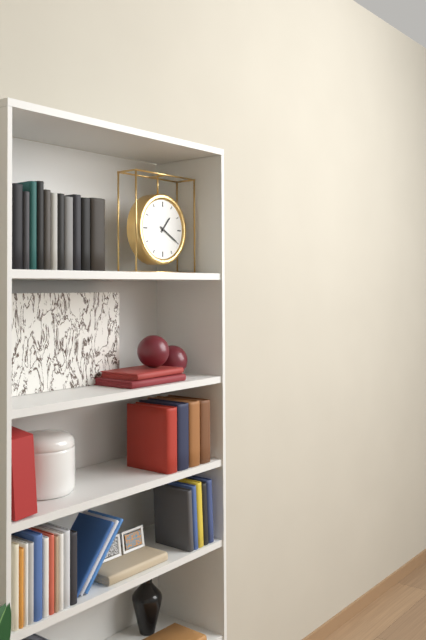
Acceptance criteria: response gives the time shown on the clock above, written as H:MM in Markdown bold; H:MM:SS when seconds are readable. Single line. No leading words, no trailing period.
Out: **1:20**
